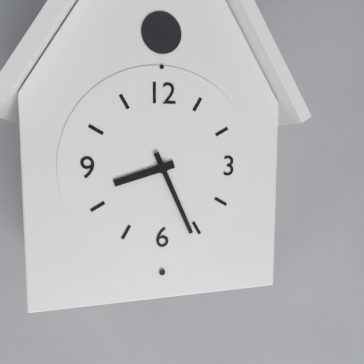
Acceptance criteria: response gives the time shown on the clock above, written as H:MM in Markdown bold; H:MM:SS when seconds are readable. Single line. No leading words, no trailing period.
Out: **8:26**
